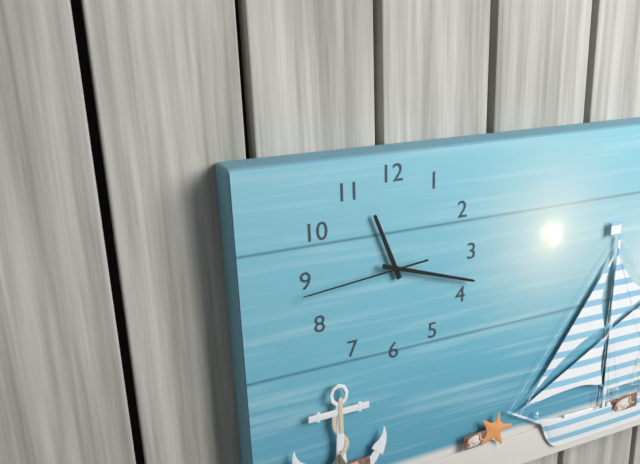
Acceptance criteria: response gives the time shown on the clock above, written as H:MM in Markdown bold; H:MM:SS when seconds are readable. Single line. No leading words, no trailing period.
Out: **11:18:44**
